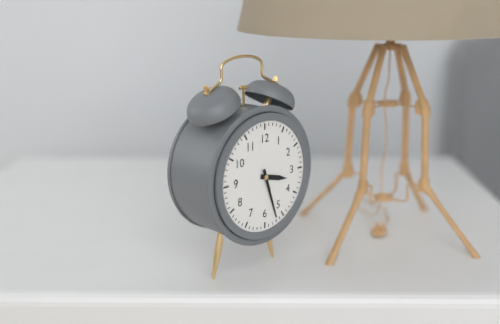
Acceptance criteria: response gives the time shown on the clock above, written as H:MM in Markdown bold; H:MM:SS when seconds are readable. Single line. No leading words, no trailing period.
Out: **3:27**
